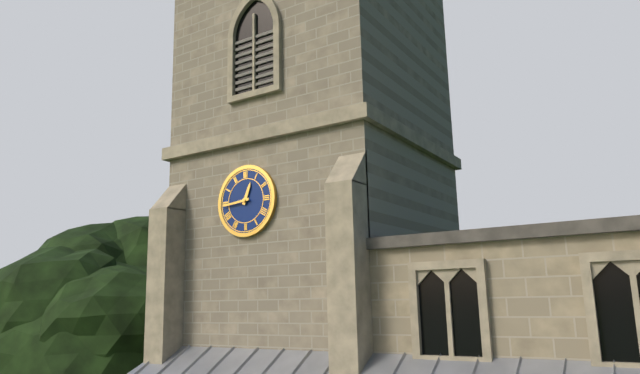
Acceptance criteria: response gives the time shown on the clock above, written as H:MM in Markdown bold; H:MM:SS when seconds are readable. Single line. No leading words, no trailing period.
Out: **12:44**
